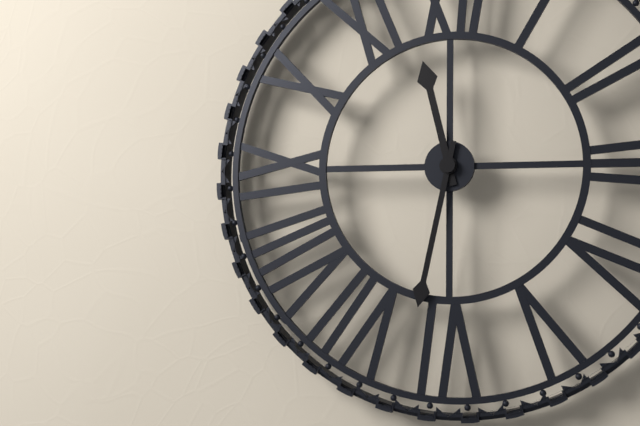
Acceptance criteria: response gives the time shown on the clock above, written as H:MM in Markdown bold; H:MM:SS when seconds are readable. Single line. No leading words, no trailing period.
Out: **11:32**
